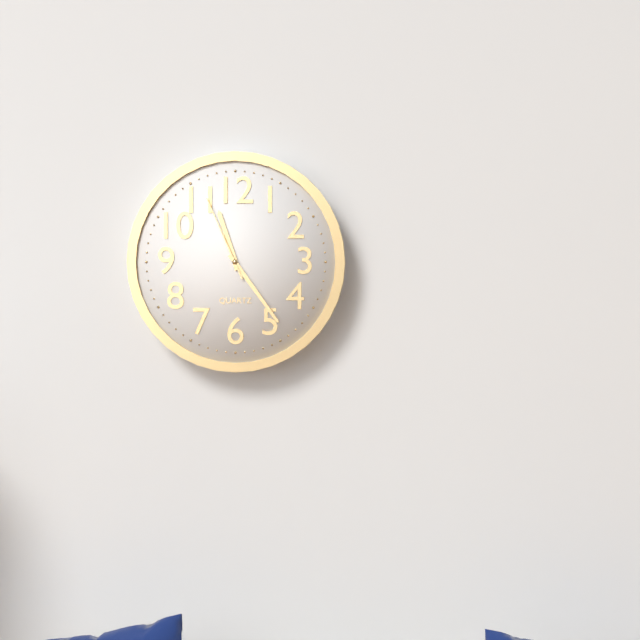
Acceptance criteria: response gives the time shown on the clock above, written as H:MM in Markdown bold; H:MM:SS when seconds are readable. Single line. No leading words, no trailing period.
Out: **11:24:56**
